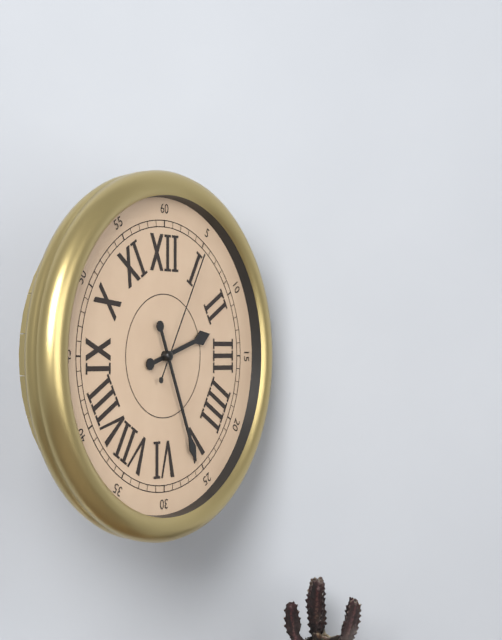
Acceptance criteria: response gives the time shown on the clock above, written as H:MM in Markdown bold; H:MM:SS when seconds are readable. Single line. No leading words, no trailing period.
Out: **2:26:05**
